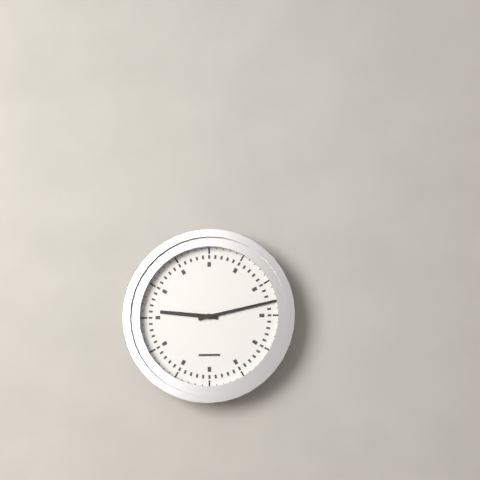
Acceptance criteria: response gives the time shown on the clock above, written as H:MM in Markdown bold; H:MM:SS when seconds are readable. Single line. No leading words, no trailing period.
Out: **9:13**
